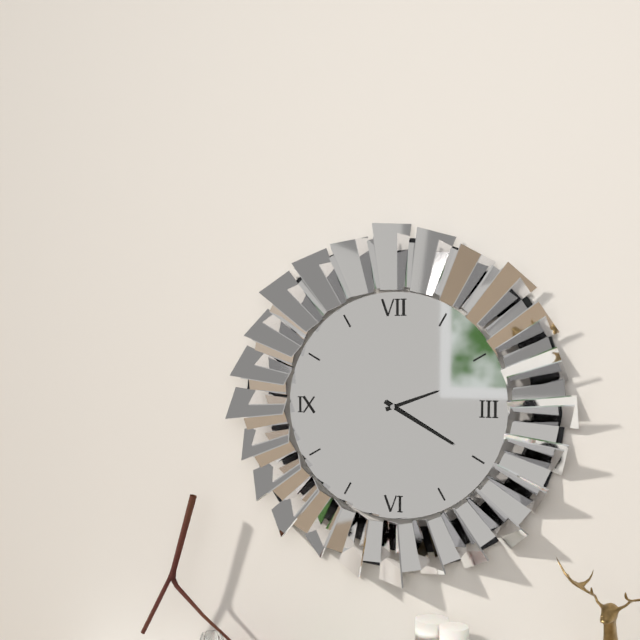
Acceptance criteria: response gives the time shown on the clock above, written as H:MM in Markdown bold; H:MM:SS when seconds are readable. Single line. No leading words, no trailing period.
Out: **2:20**
